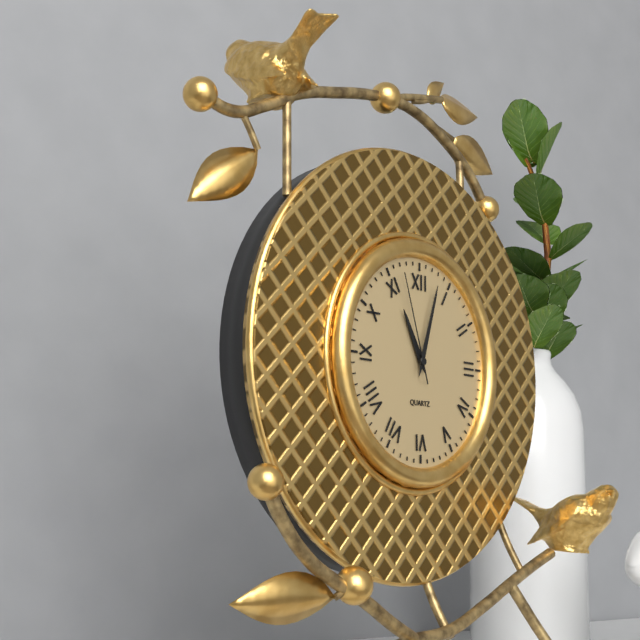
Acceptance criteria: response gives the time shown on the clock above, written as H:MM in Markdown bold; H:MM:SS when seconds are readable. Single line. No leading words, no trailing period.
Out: **11:03:57**
